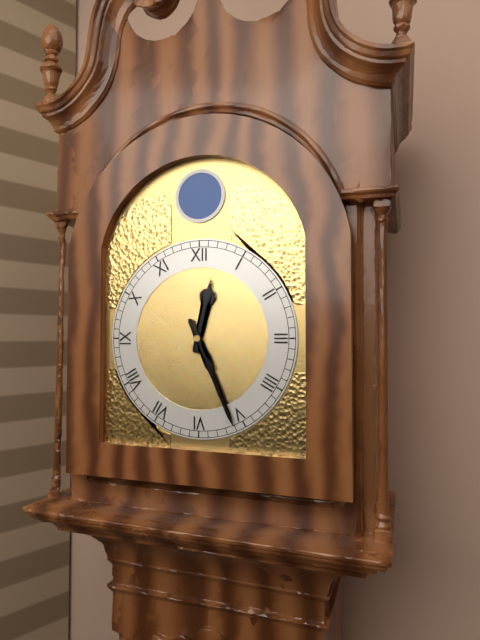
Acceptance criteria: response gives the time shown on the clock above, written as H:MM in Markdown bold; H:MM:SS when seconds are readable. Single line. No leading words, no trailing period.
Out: **12:26**
